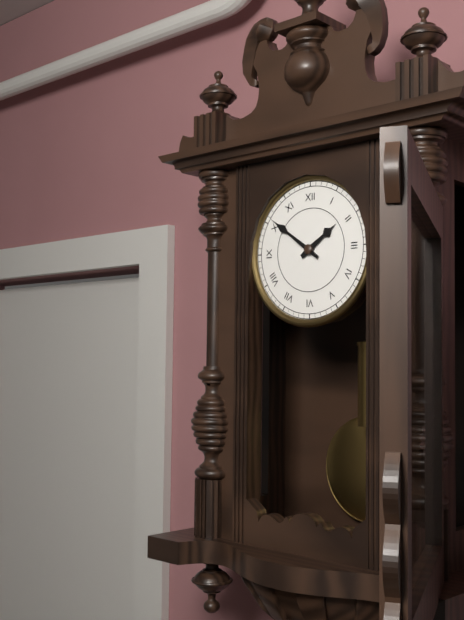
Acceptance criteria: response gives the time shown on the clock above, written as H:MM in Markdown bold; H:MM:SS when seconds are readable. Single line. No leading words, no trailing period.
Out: **1:51**
